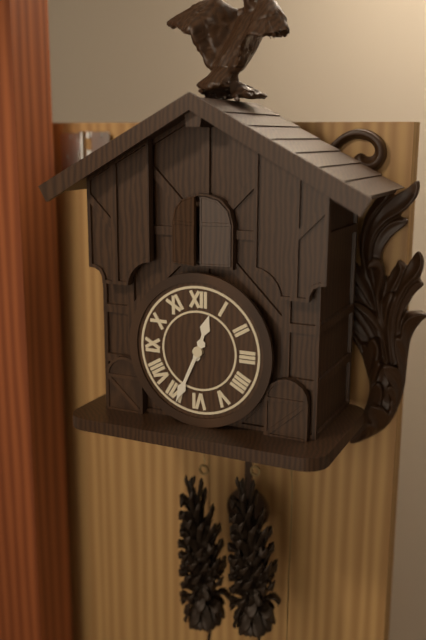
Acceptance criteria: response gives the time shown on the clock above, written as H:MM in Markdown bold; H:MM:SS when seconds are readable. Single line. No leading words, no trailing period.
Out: **12:34**
